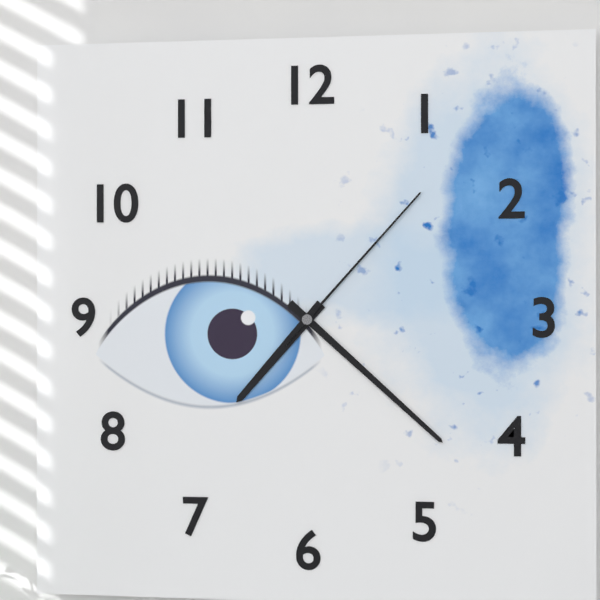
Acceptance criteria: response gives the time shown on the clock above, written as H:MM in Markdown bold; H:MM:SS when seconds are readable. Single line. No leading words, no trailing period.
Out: **7:22:07**
